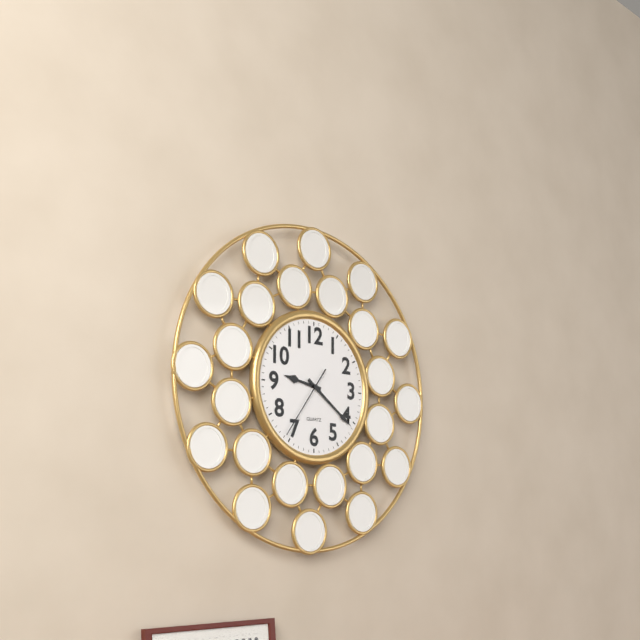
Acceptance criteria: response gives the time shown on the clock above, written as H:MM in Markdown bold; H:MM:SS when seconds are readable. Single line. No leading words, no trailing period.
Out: **9:21:36**
